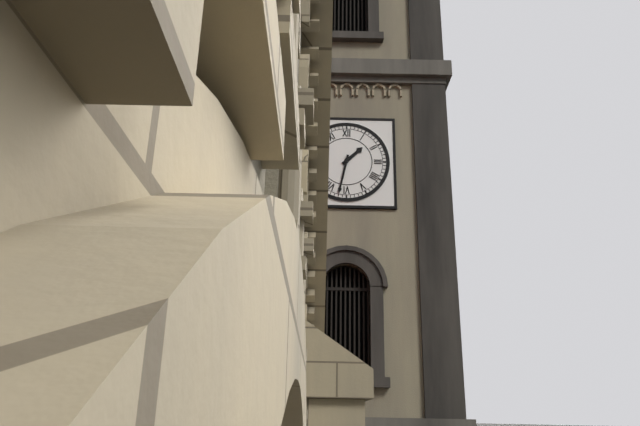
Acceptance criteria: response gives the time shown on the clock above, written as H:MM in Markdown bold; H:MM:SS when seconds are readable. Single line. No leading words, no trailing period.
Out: **1:32**
